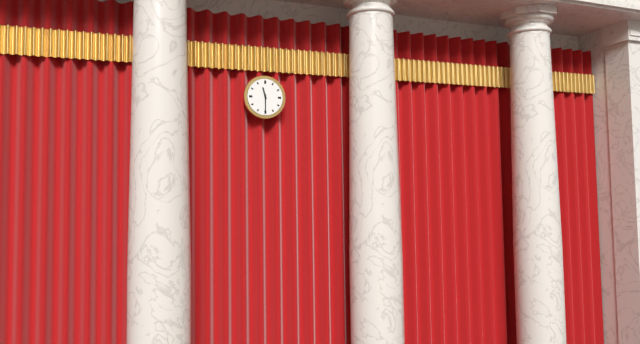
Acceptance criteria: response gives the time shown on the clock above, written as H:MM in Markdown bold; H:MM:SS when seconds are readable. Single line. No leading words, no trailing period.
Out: **11:30**
